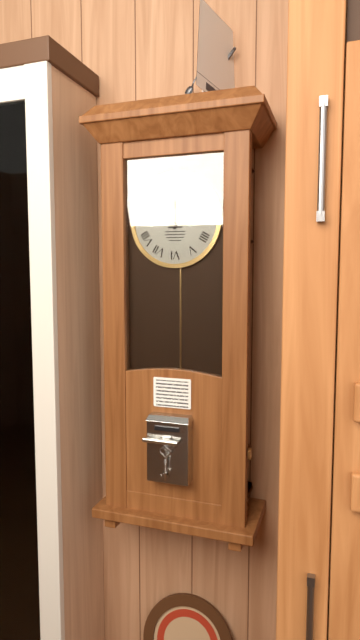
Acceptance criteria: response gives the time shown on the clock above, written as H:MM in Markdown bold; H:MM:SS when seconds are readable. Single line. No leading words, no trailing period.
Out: **12:00**
